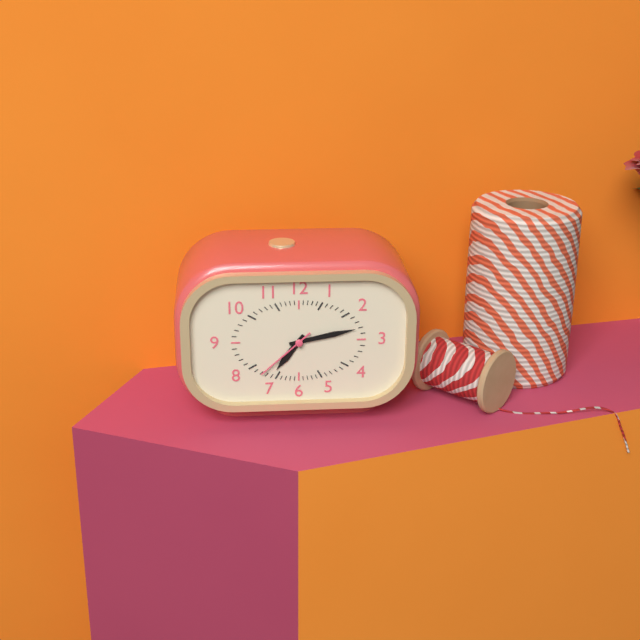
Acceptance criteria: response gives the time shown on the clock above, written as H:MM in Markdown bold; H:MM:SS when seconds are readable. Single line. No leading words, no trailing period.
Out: **7:13:38**
